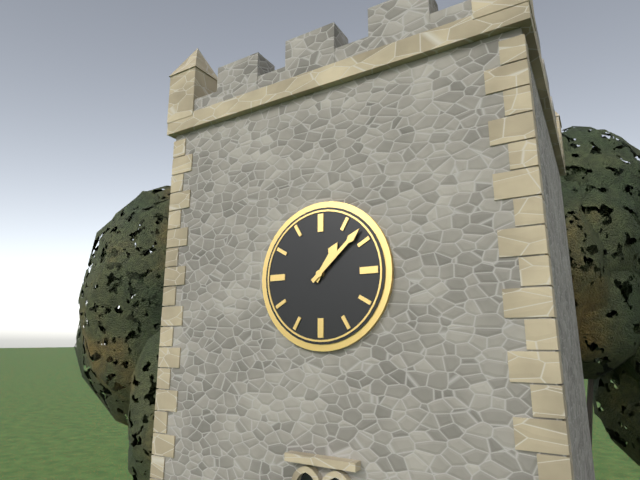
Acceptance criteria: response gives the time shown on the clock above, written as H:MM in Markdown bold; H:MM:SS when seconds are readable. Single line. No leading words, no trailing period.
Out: **1:08**
